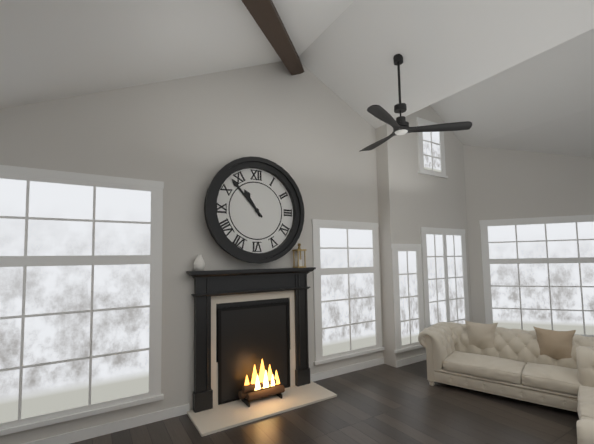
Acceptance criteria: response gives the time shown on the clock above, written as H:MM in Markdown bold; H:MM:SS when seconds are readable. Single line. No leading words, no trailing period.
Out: **10:53**
